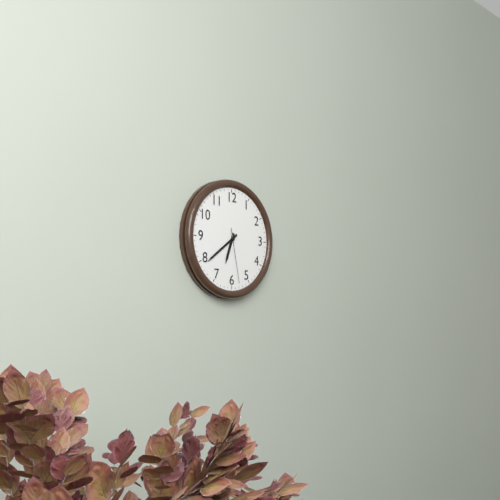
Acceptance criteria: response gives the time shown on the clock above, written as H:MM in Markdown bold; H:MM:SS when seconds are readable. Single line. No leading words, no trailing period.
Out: **6:39:28**
